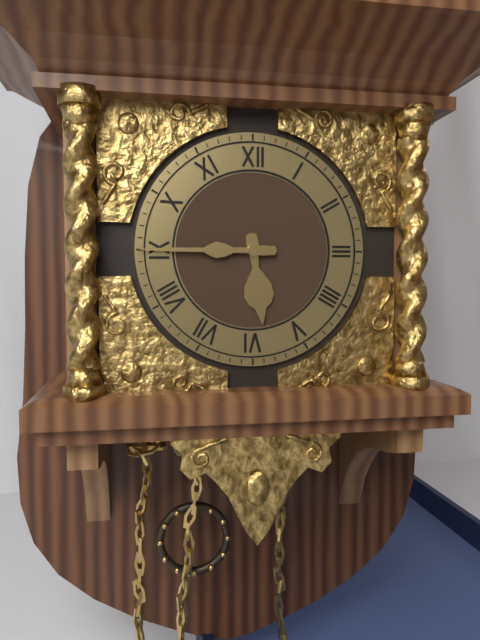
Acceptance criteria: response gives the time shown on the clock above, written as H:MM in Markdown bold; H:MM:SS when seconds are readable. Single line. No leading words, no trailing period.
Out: **5:45**
